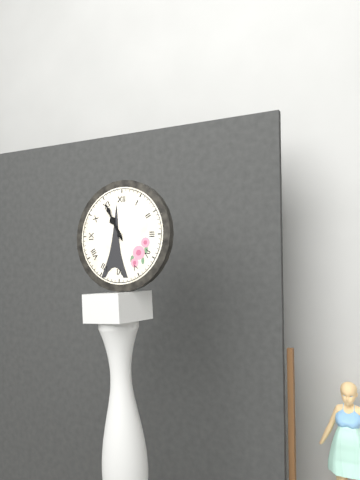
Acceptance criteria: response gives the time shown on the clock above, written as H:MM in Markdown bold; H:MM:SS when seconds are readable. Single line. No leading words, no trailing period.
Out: **10:55**
